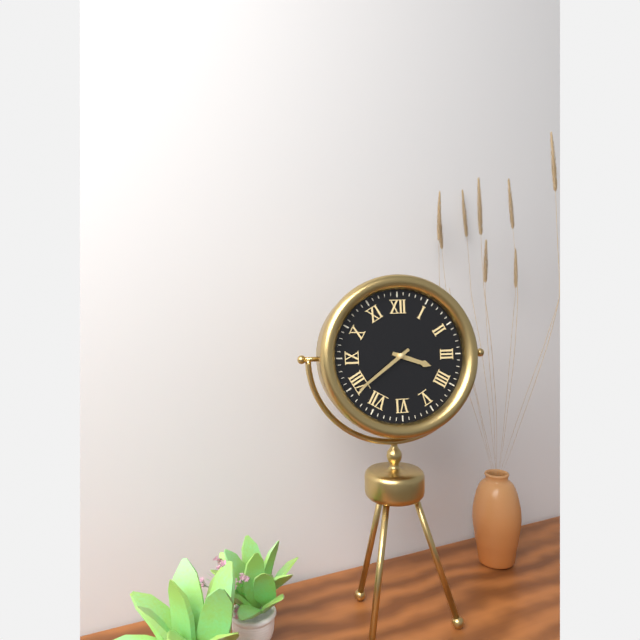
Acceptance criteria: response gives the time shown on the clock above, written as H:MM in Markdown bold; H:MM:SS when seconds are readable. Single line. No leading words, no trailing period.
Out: **3:39**
